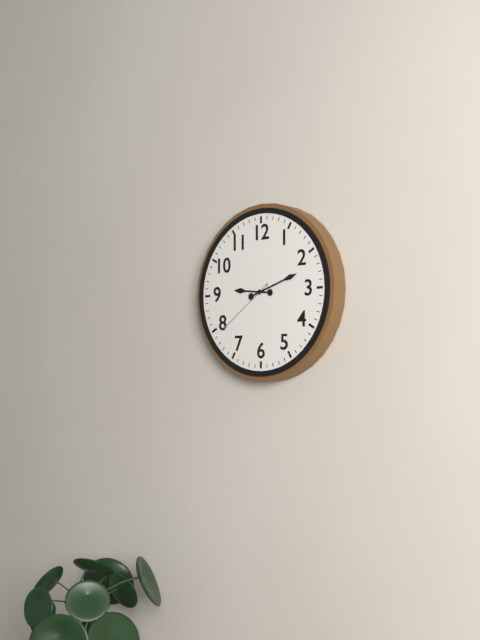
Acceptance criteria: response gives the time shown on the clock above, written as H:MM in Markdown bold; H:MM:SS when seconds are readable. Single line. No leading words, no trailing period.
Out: **9:12:39**
